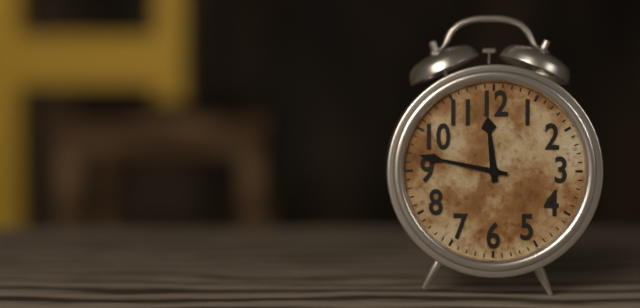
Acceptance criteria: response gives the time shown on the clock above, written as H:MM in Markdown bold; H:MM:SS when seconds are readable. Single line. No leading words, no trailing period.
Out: **11:47**
